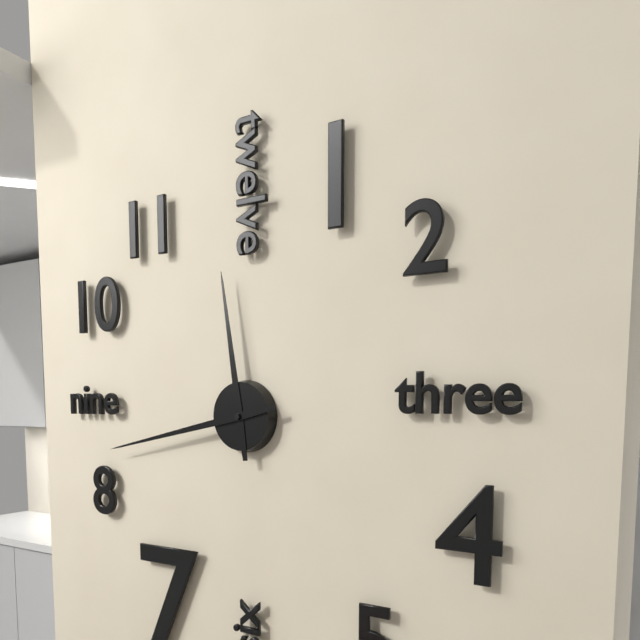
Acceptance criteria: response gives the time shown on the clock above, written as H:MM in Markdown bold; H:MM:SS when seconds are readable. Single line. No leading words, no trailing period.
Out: **11:43**
